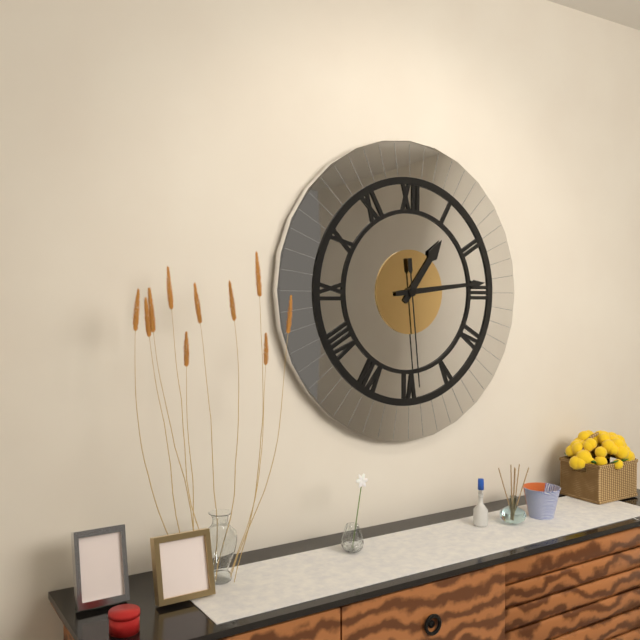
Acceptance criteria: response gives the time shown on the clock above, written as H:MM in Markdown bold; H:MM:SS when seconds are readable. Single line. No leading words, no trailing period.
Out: **1:14:29**
